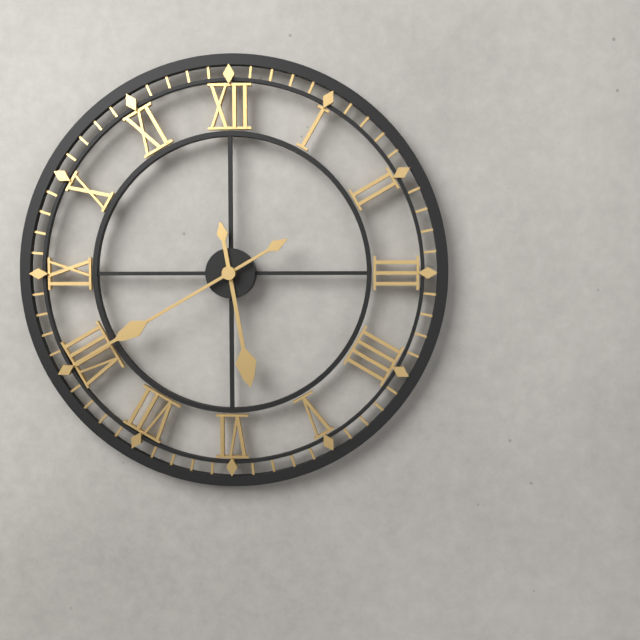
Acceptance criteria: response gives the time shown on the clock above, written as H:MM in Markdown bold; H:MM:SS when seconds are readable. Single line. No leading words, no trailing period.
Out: **5:40**
